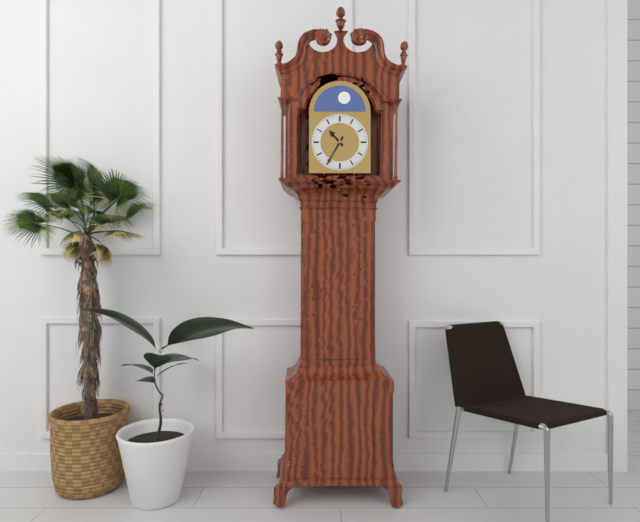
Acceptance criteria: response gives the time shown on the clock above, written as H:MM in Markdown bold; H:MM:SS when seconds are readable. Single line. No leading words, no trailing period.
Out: **10:35**
